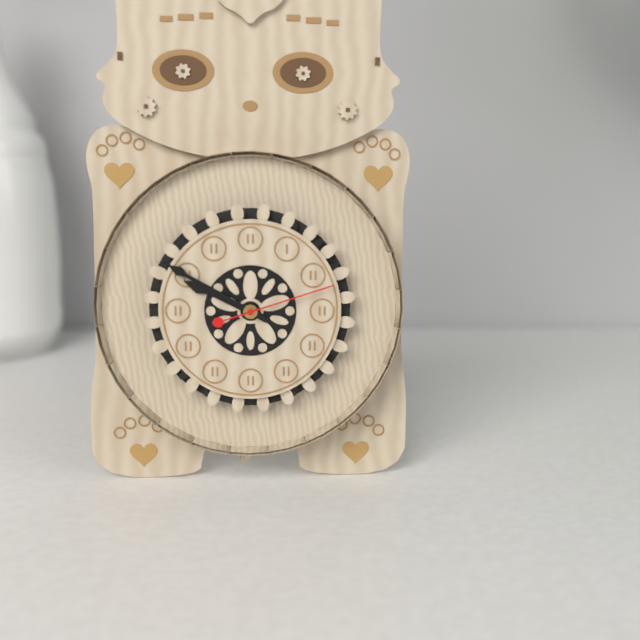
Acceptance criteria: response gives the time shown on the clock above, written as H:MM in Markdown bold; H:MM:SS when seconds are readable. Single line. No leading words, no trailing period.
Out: **9:50:12**
